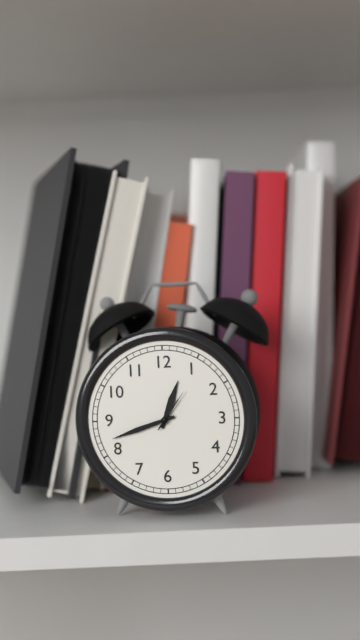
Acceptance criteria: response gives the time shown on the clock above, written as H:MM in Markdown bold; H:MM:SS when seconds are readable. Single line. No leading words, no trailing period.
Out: **12:42**
